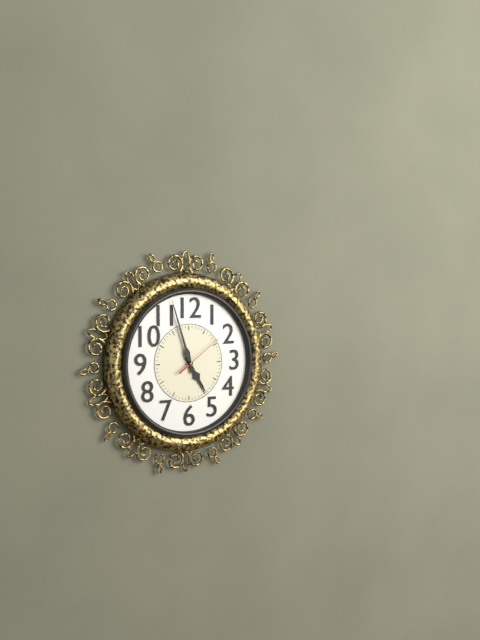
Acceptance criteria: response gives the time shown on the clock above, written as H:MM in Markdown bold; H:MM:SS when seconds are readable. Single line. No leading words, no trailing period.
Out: **4:57**
